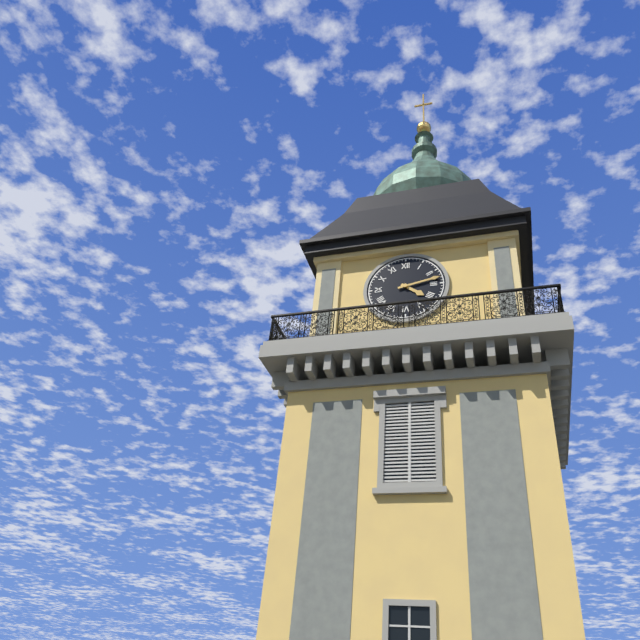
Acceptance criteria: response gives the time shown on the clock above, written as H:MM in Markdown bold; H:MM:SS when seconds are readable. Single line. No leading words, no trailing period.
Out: **4:13**
